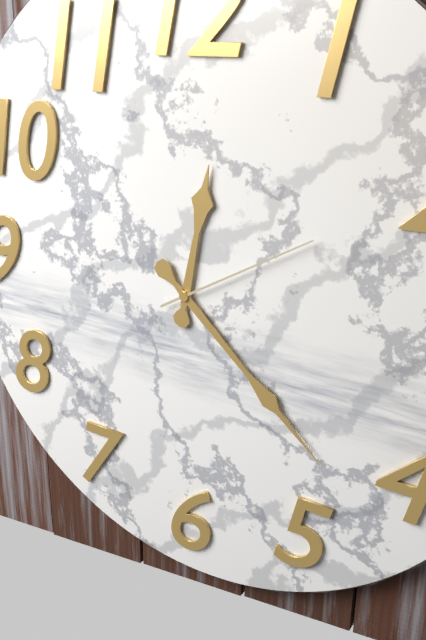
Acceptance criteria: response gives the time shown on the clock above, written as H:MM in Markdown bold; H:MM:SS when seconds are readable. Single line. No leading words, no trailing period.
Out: **12:22:10**
